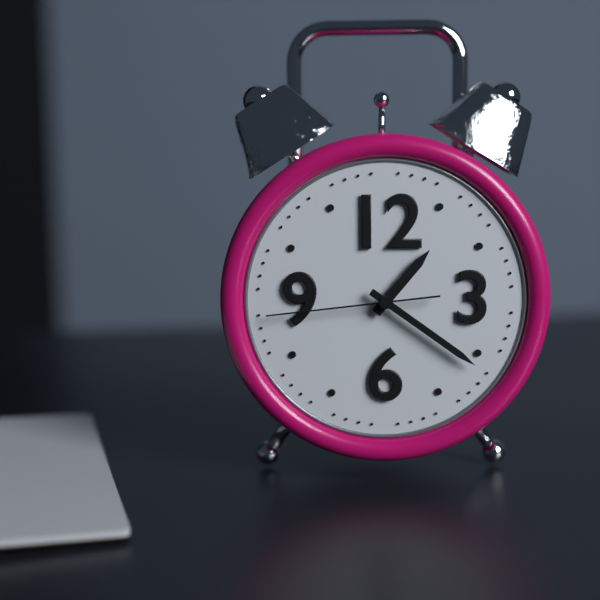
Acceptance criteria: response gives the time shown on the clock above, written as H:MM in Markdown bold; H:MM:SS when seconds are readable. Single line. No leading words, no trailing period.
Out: **1:21:44**
